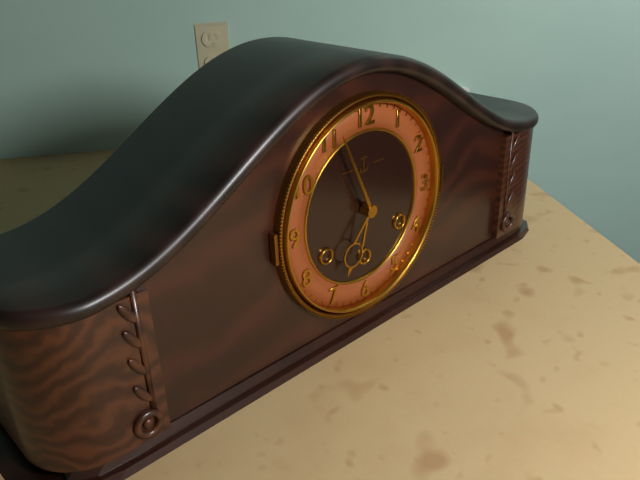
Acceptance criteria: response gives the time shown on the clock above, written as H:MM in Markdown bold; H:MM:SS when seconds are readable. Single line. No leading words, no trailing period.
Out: **6:56**
